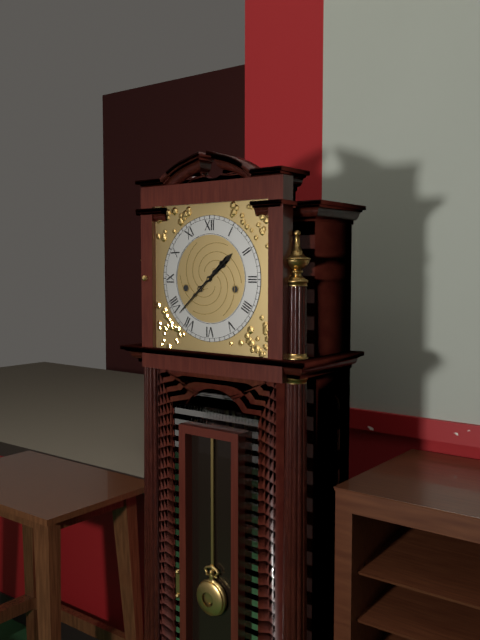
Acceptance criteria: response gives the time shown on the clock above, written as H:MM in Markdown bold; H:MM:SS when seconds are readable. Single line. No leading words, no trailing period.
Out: **1:38**
